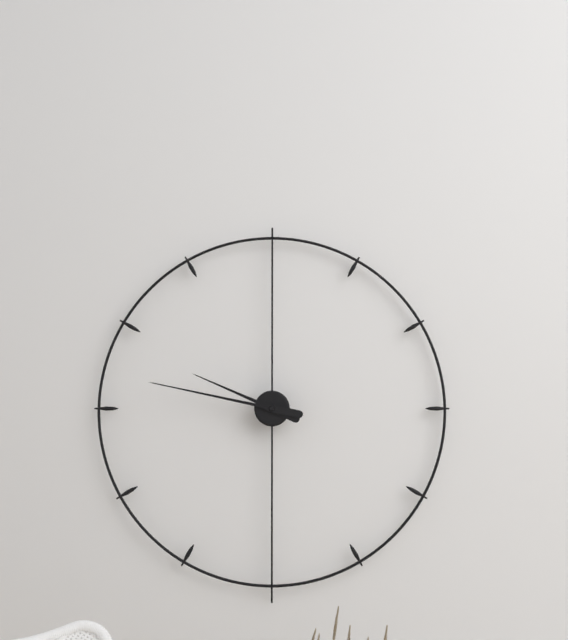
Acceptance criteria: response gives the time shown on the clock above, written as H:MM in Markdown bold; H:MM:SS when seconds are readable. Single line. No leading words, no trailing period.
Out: **9:47**
